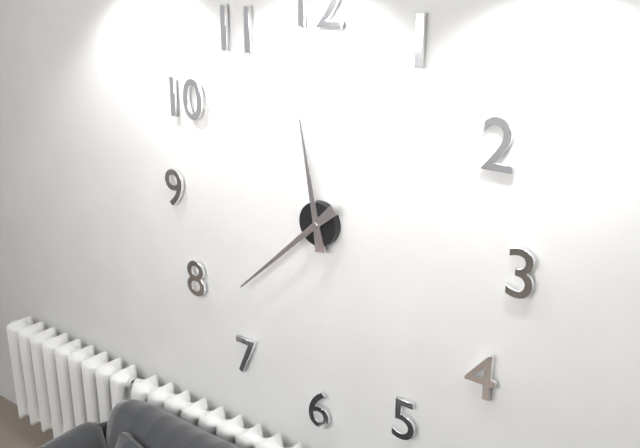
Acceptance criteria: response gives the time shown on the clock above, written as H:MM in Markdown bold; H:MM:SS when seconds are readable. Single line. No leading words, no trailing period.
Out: **11:38**
